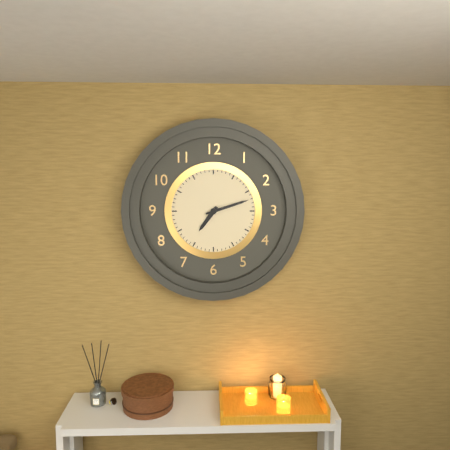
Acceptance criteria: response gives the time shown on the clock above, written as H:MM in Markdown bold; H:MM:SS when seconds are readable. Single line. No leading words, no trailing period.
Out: **7:12**
